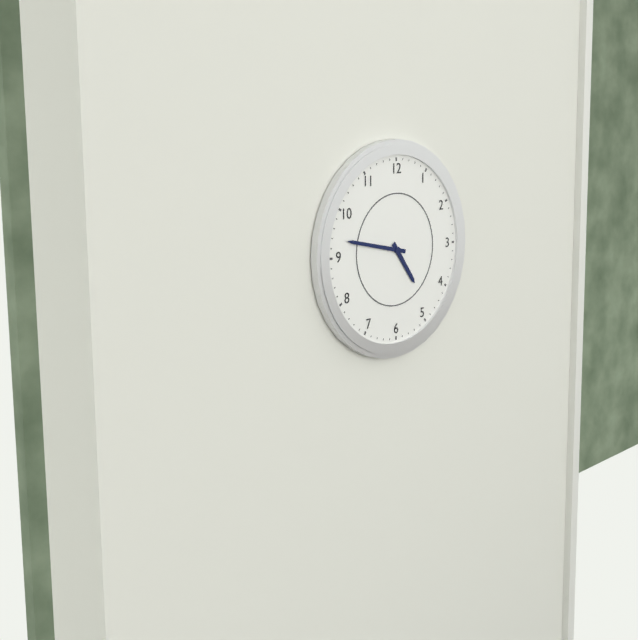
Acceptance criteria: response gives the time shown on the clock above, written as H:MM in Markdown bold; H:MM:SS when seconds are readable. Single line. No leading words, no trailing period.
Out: **4:47**
